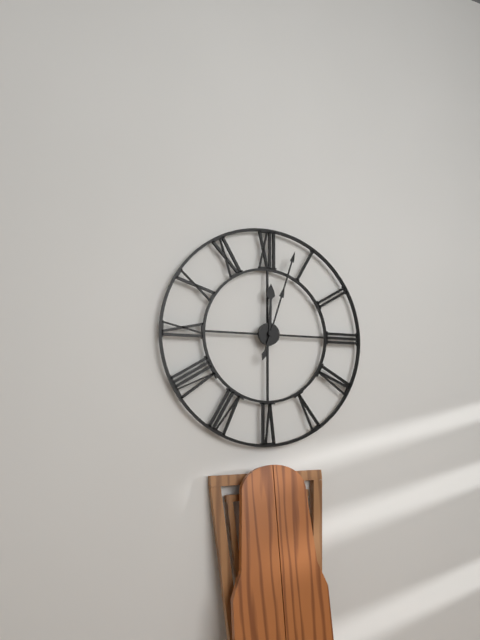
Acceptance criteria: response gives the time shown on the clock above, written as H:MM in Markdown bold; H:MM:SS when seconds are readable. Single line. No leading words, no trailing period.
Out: **12:03**
